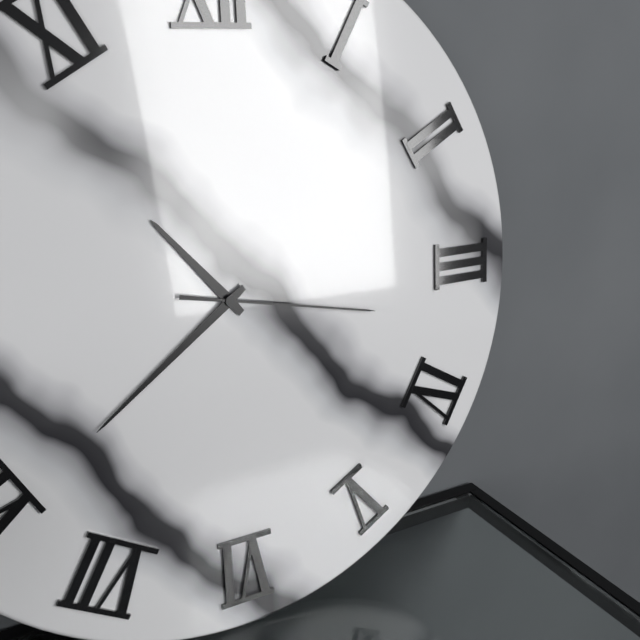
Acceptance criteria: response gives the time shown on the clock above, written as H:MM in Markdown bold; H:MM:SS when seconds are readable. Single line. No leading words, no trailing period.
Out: **10:39:17**
